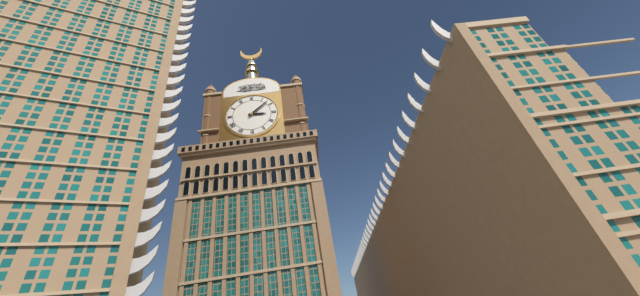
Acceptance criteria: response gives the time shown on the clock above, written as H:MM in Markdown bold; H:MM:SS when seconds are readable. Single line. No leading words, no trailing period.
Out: **3:08**
